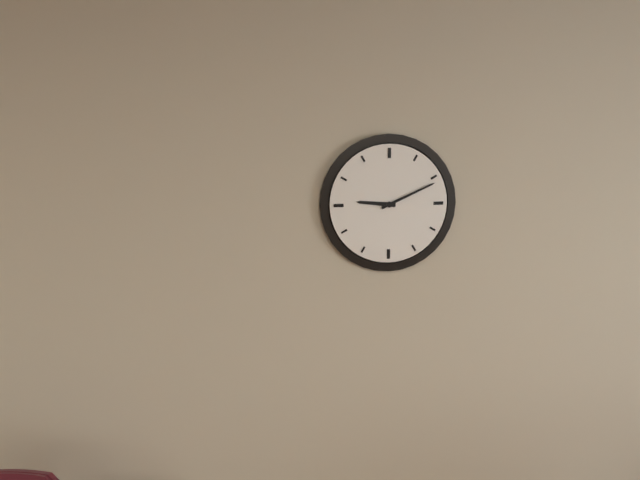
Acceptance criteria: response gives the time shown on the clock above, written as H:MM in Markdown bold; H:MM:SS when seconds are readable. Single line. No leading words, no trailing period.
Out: **9:11**
